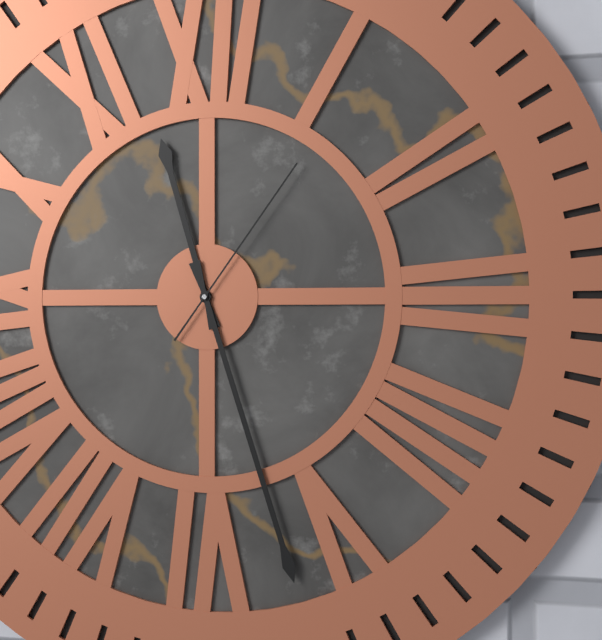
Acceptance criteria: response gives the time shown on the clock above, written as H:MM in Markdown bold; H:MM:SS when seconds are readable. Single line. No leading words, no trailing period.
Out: **11:27:06**
